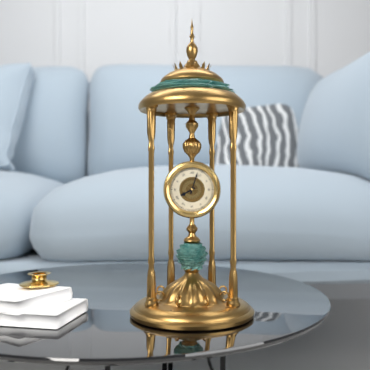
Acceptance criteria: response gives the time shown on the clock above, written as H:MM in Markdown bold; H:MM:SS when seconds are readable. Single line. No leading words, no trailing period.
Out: **8:03**
